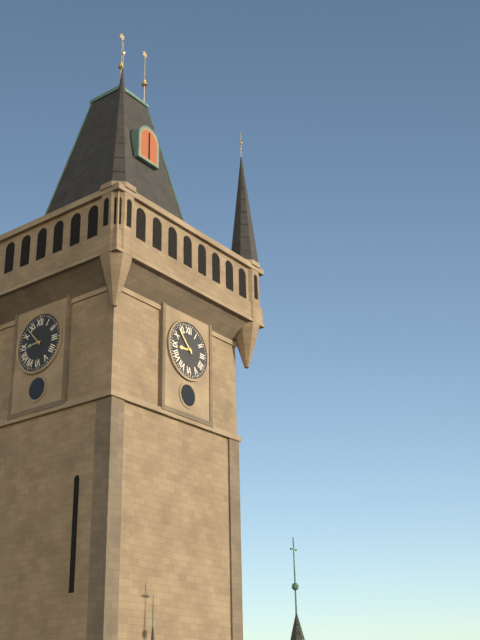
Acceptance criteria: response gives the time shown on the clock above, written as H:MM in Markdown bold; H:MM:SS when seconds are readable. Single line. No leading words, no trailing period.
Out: **8:53**
